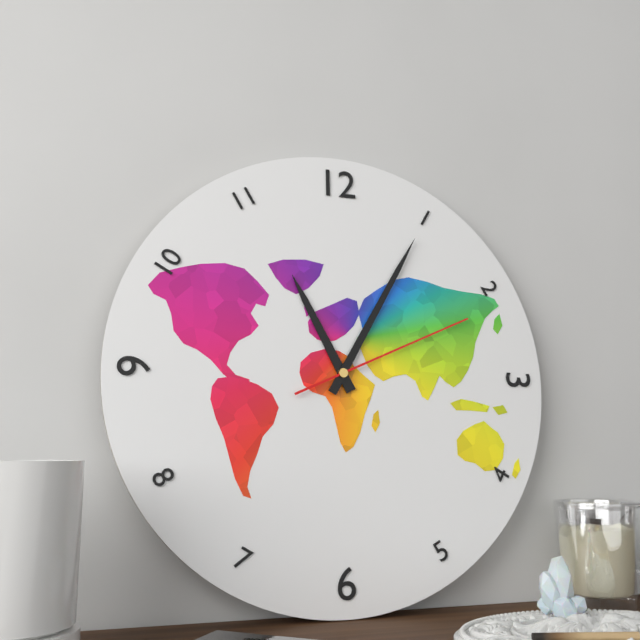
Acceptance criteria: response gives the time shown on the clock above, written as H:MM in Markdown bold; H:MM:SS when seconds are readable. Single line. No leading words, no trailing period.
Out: **11:05:11**
